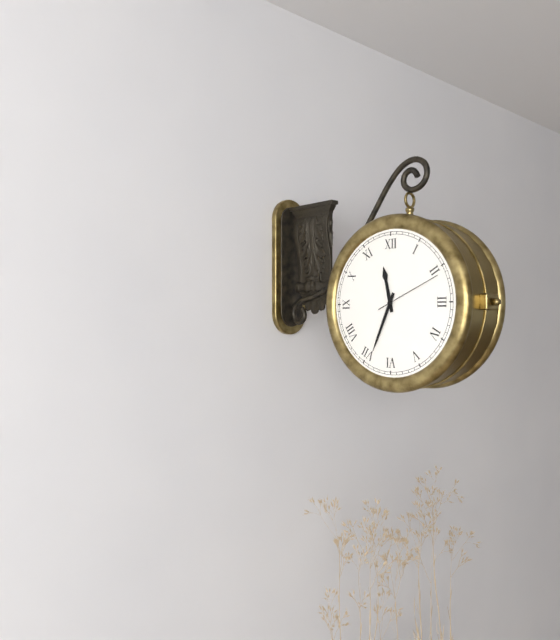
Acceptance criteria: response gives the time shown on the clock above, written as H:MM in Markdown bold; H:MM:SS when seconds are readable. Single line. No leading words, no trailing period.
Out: **11:34:11**
